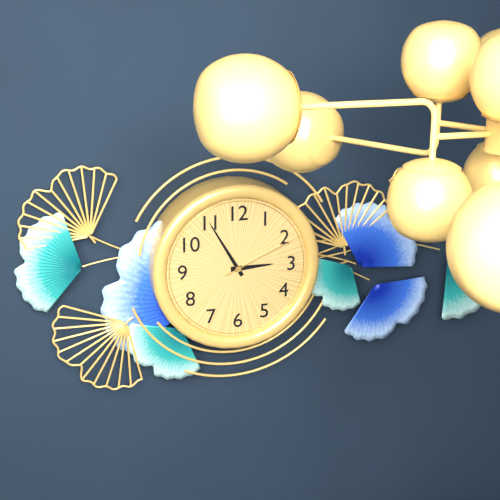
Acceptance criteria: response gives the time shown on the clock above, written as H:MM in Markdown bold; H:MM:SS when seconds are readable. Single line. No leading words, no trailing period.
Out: **2:55:11**
